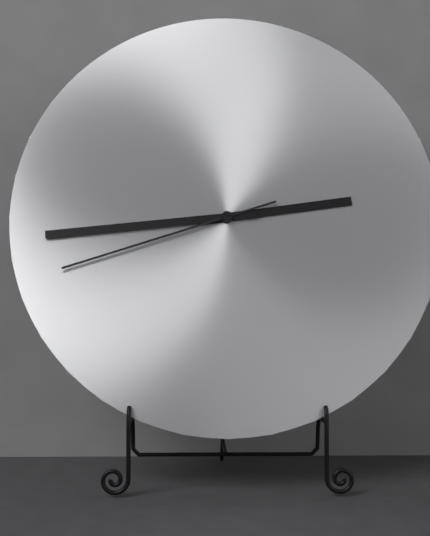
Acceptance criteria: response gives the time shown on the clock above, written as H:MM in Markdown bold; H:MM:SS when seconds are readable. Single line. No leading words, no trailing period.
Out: **2:44:42**
